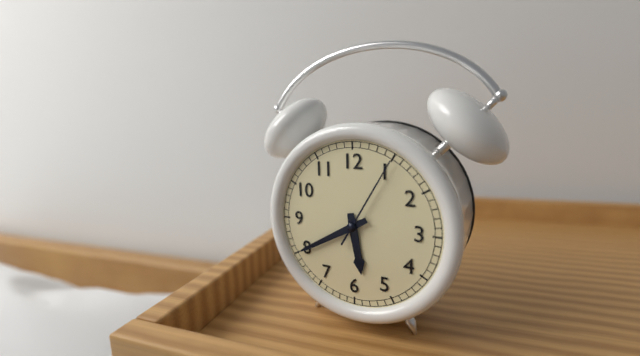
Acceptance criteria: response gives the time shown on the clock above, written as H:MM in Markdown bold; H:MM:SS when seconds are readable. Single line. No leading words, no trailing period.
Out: **5:40:05**
